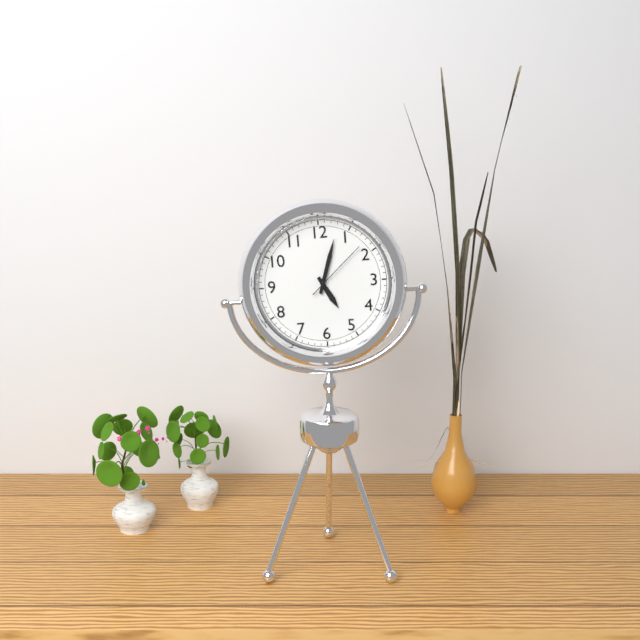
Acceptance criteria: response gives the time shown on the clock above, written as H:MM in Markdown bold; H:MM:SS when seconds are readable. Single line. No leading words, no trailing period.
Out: **5:03:08**
